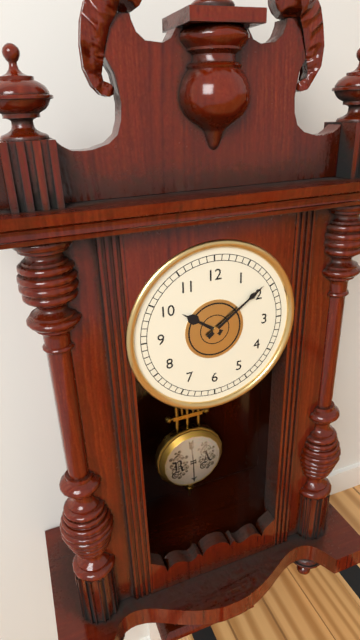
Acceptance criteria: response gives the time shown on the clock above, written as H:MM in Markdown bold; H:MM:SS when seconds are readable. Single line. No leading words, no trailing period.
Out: **10:09**
